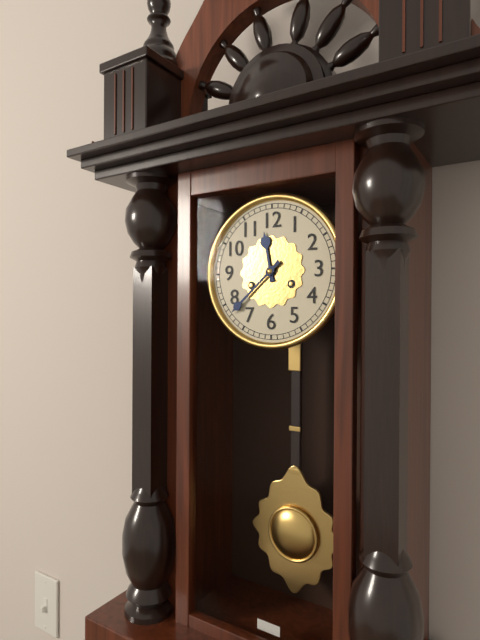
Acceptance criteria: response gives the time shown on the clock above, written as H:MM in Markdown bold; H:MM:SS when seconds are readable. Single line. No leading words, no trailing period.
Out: **11:38**
